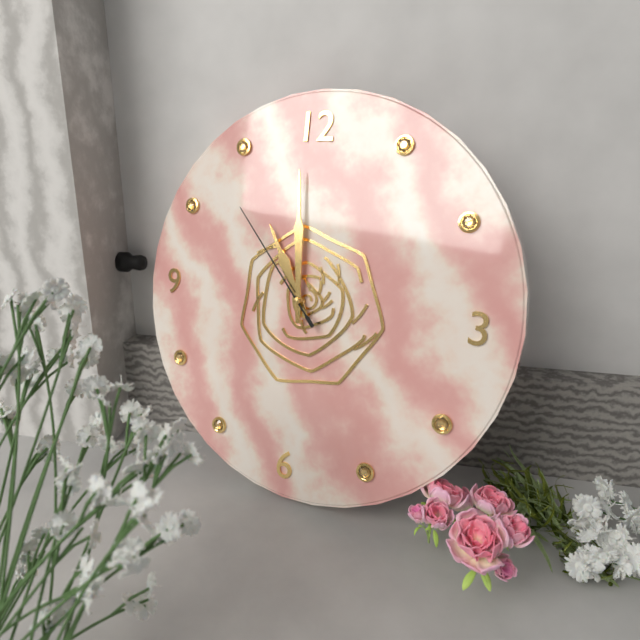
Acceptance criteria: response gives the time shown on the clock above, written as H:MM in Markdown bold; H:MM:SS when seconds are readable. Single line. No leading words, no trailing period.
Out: **10:59:53**
